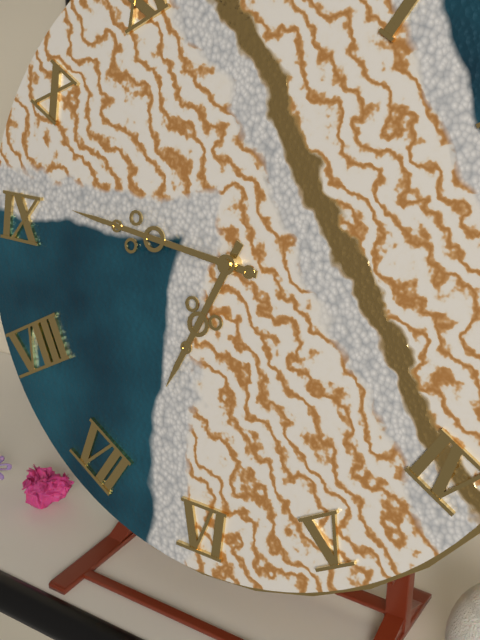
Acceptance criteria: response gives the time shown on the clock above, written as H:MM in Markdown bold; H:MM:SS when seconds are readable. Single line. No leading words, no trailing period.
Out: **6:46**
